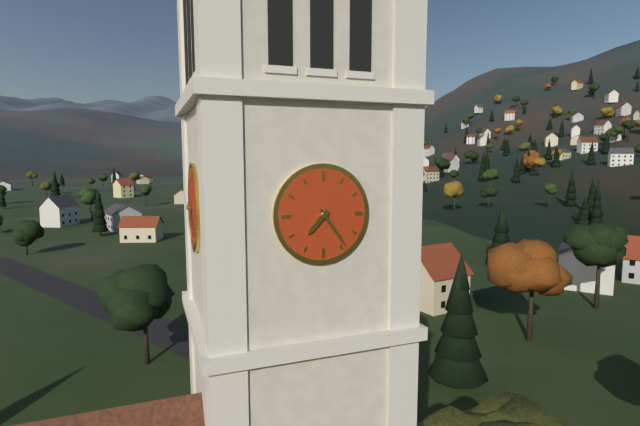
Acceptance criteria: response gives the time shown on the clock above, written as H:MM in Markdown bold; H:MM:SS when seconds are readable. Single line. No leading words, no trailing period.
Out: **7:24**
